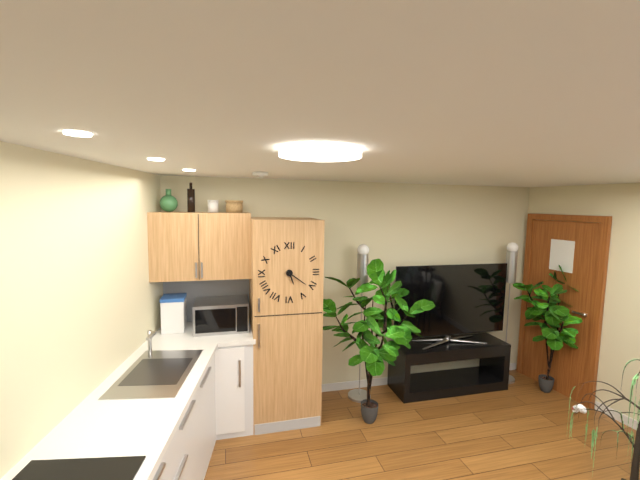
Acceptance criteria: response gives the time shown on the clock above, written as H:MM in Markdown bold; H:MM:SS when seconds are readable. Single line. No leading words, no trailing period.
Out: **5:21**
